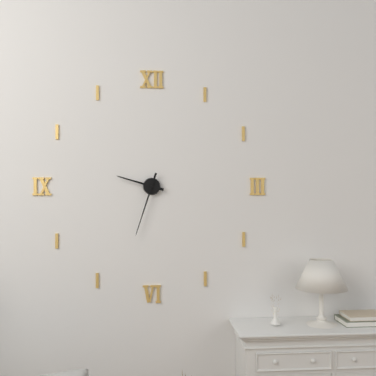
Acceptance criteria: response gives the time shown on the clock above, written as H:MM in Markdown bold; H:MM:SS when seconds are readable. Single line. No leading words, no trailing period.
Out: **9:33**
